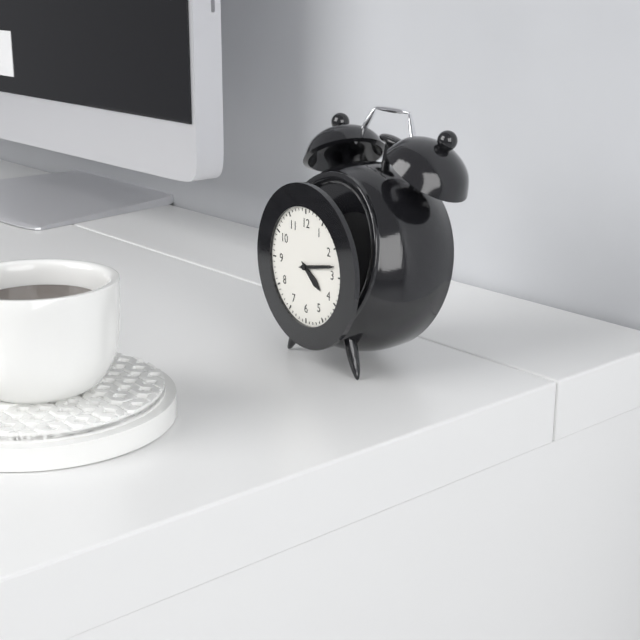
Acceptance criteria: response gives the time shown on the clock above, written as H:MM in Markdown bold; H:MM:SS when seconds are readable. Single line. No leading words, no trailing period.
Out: **4:13**
